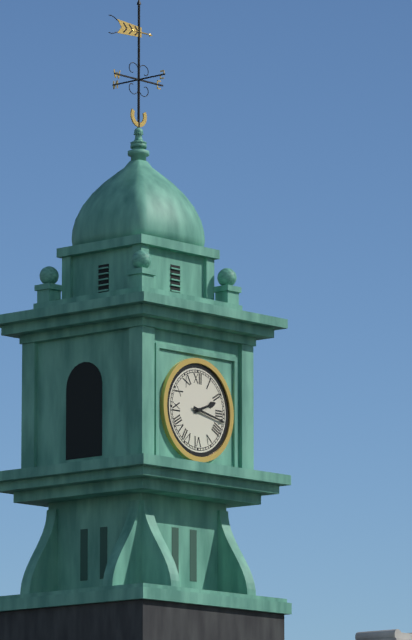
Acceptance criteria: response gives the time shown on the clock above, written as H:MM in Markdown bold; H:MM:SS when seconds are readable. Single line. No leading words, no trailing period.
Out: **2:17**
